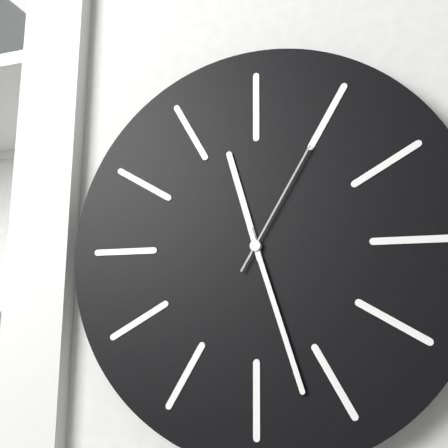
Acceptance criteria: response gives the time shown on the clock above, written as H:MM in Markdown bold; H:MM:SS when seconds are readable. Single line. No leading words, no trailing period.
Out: **11:27:05**
